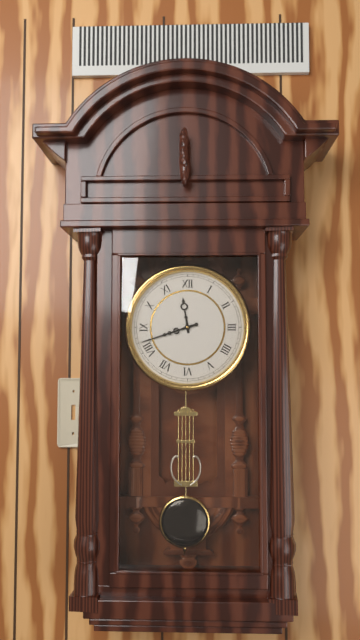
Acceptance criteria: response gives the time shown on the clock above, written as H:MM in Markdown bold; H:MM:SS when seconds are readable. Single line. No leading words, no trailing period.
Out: **11:42**
